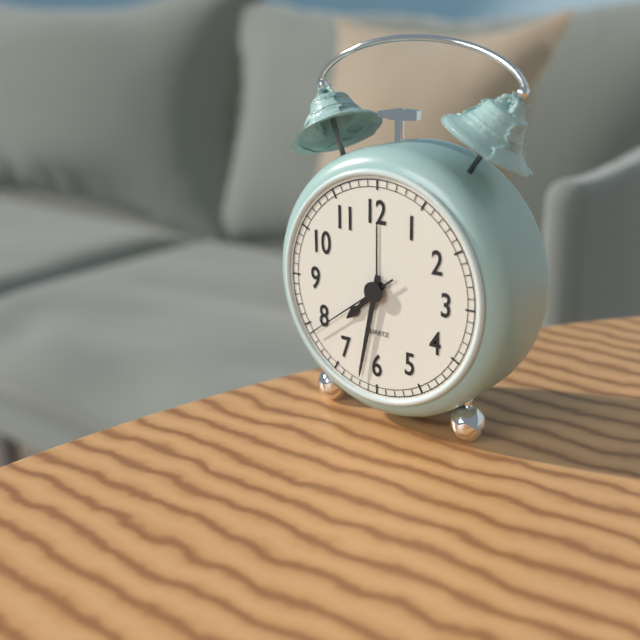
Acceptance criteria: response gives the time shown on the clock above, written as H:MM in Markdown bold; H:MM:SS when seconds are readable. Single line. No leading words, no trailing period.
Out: **7:32:39**
